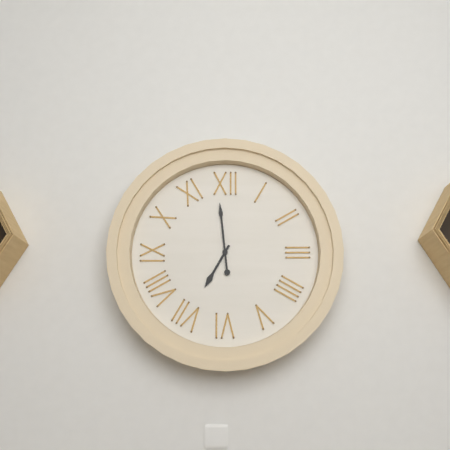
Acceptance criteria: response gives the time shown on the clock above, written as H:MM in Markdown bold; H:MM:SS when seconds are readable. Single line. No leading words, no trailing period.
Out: **6:59**
